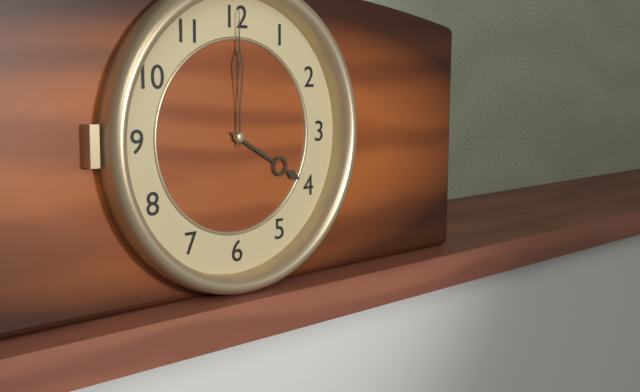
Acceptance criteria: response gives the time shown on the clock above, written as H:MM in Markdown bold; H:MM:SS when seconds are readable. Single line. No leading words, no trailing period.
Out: **4:00**
